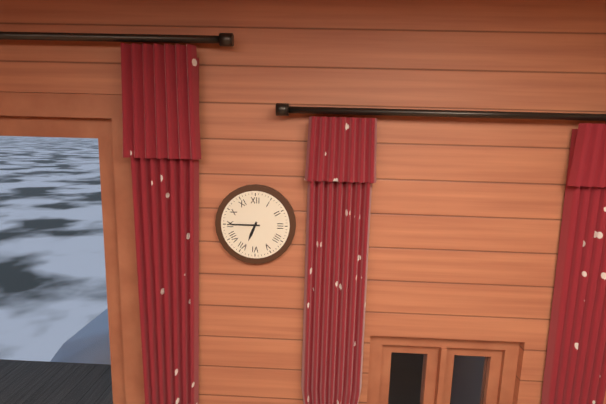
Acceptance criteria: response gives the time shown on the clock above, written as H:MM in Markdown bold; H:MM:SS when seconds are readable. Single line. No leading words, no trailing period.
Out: **6:45**
